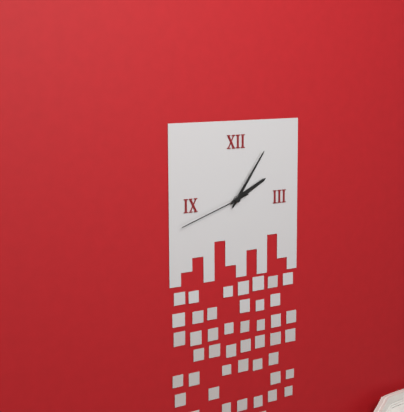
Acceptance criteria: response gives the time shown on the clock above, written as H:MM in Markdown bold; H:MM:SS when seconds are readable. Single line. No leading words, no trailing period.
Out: **2:06:42**
